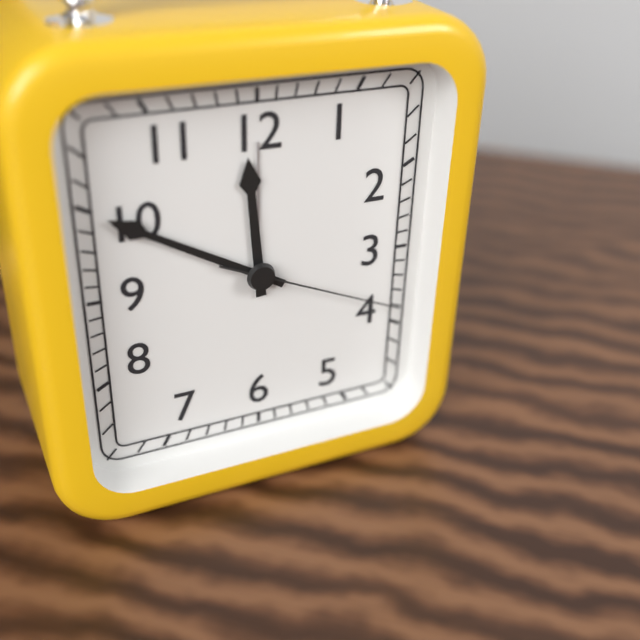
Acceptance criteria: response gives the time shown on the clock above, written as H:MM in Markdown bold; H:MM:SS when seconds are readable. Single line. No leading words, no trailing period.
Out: **11:50:19**
